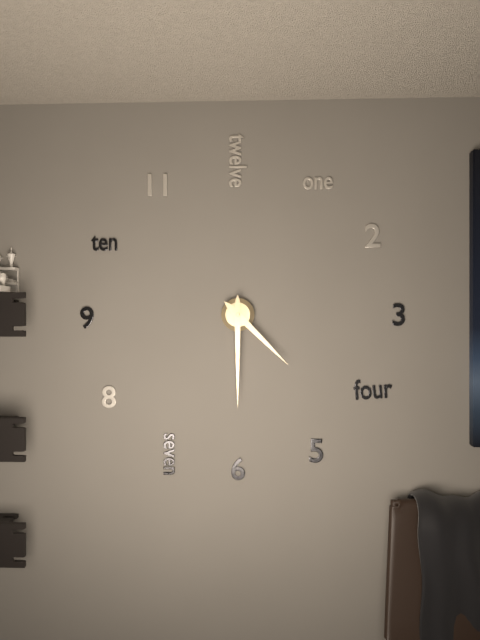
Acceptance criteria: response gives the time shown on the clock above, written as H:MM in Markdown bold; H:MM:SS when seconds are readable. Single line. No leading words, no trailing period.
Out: **4:30**
